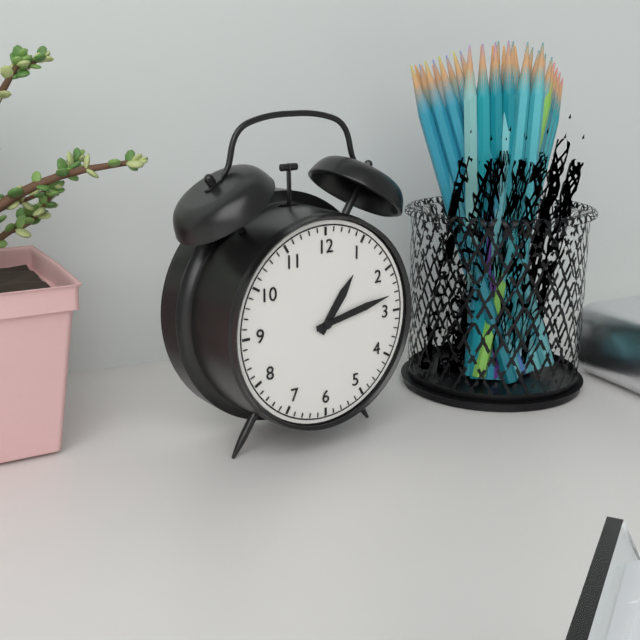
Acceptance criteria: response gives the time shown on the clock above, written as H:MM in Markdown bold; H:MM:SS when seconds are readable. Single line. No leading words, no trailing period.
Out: **1:13**
